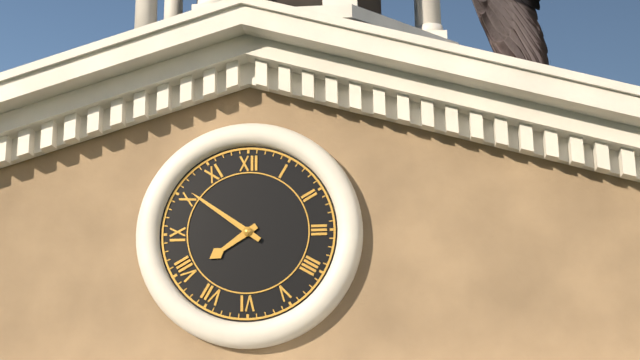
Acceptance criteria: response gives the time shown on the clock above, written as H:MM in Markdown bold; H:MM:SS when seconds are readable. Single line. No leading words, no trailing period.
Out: **7:51**
